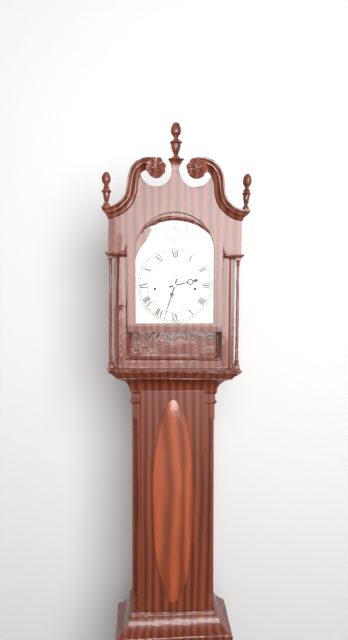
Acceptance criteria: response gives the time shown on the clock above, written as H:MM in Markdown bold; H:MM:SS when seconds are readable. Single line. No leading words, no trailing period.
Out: **2:33**
